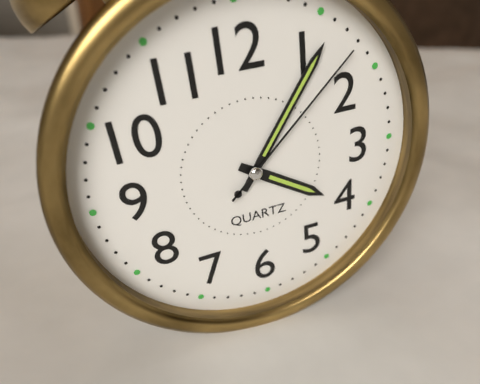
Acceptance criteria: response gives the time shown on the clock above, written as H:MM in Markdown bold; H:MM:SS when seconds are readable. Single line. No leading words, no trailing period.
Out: **4:06:08**
